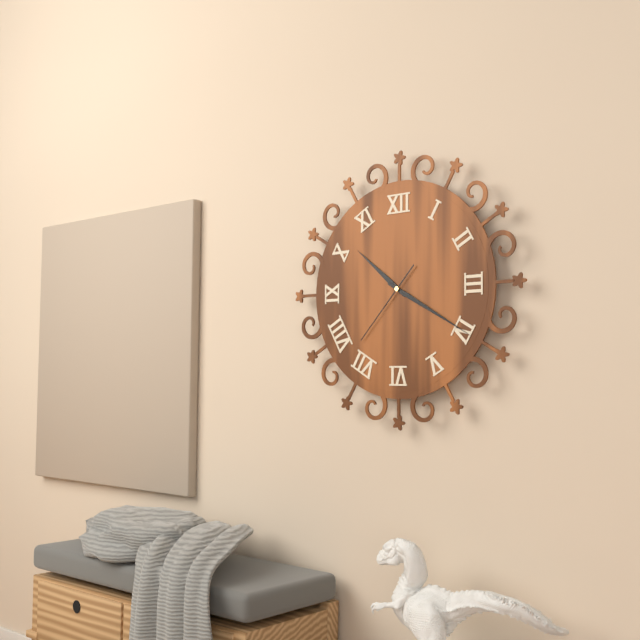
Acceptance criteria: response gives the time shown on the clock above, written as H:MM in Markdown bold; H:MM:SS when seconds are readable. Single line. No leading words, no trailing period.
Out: **10:20:37**
